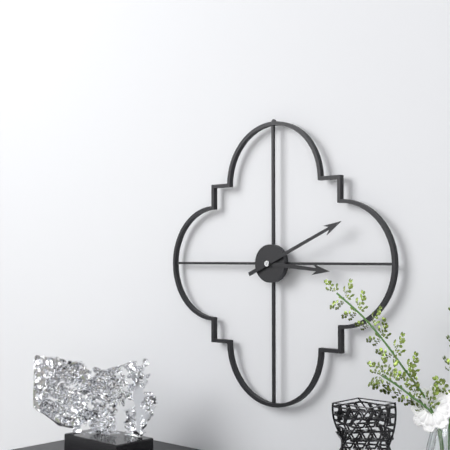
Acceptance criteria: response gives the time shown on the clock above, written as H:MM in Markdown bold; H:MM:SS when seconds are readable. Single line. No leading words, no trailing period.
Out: **3:11**
